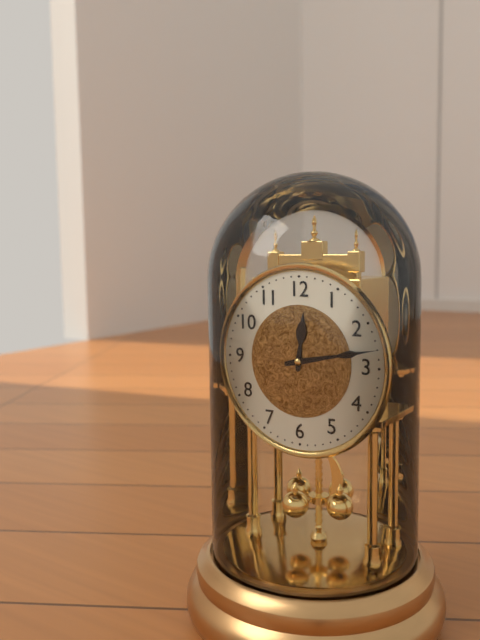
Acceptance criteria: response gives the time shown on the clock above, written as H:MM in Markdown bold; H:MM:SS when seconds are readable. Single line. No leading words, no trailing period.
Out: **12:13**
